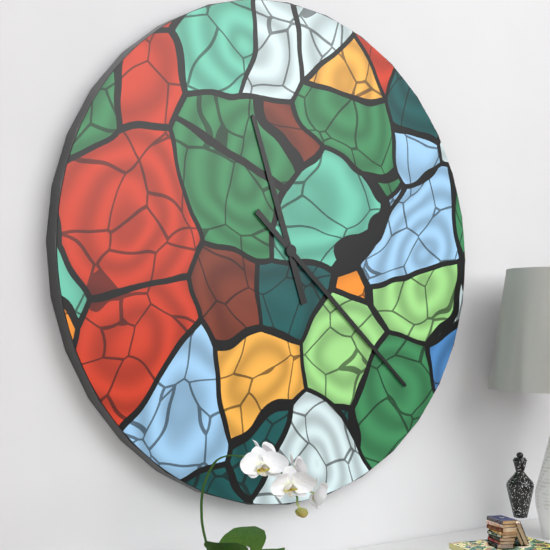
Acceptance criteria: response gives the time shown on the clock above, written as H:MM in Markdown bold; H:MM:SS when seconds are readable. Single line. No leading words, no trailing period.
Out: **11:22**
